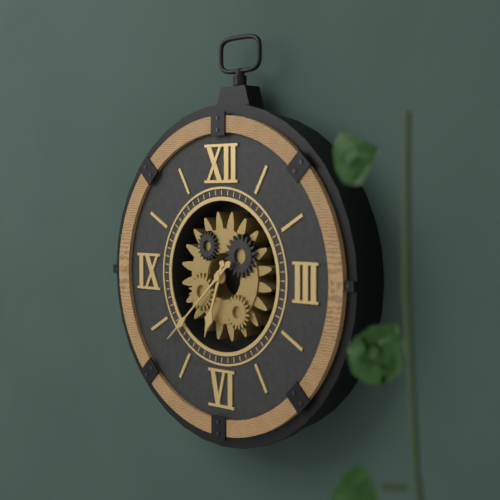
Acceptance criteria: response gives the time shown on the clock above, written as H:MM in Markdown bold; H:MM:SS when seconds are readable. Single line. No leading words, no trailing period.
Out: **6:38**
